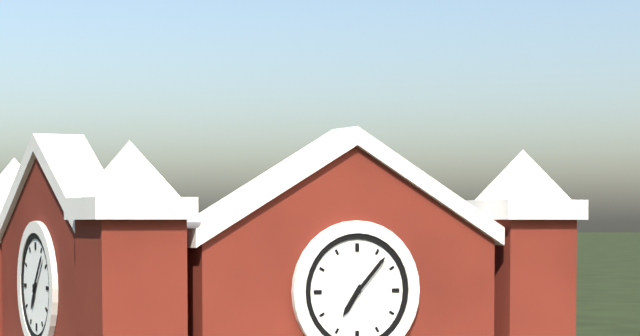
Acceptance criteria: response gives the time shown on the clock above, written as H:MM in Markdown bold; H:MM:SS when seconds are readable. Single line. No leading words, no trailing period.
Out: **7:07**
